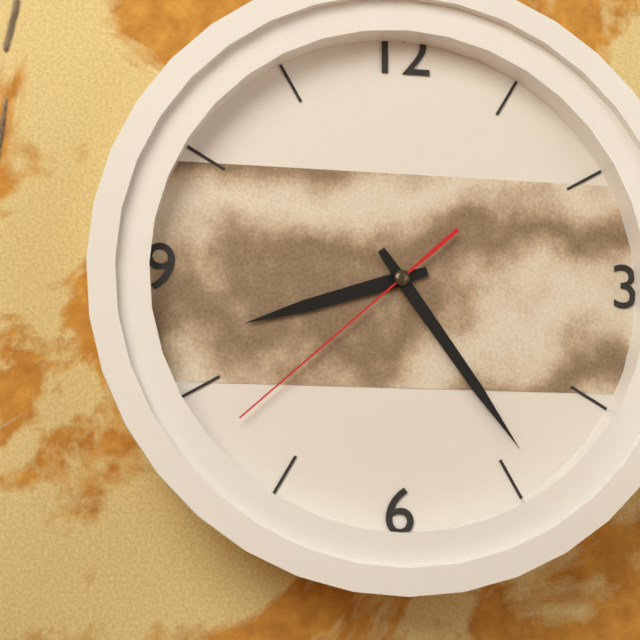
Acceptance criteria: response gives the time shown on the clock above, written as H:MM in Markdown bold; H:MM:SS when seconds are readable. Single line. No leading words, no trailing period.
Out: **8:24:38**
